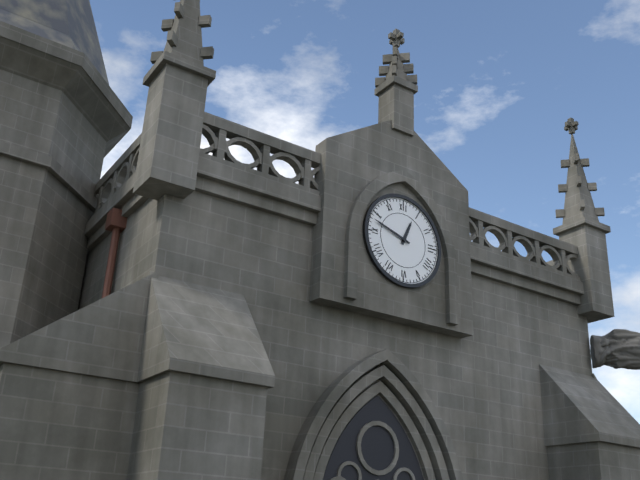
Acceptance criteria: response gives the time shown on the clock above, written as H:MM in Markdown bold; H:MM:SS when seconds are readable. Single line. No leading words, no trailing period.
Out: **12:48**
